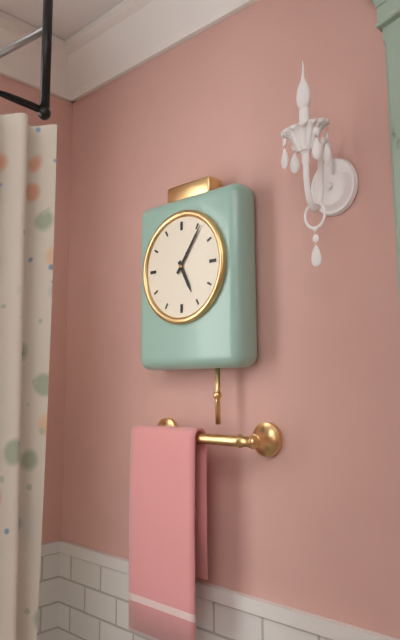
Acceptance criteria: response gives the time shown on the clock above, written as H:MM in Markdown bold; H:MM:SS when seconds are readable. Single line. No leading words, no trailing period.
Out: **5:06**
